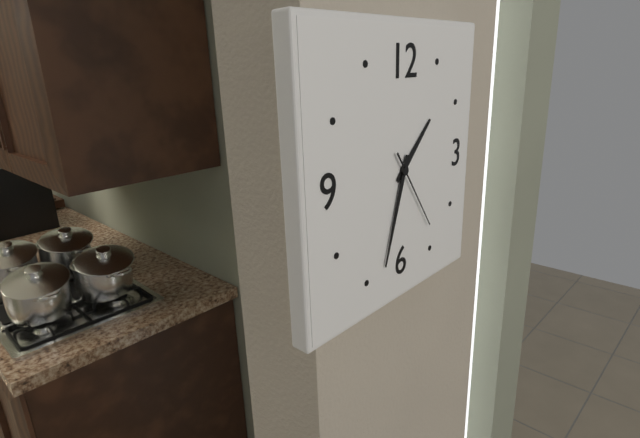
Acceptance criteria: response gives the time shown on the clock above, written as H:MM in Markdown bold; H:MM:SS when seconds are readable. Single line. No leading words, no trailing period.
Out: **1:33:24**
